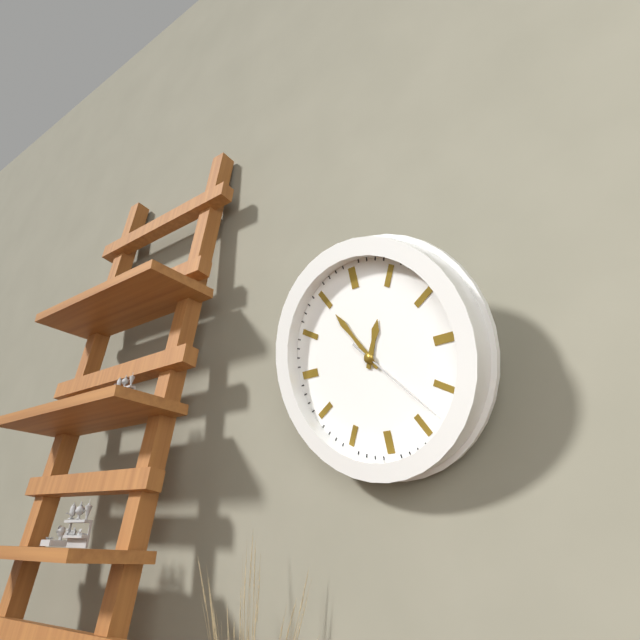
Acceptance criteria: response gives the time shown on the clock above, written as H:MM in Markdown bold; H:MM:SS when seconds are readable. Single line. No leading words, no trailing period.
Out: **12:55:23**
